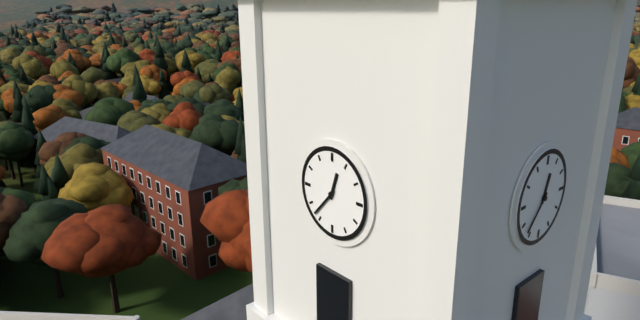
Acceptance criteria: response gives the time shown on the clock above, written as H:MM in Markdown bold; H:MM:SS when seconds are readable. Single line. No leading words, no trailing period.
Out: **12:37**
